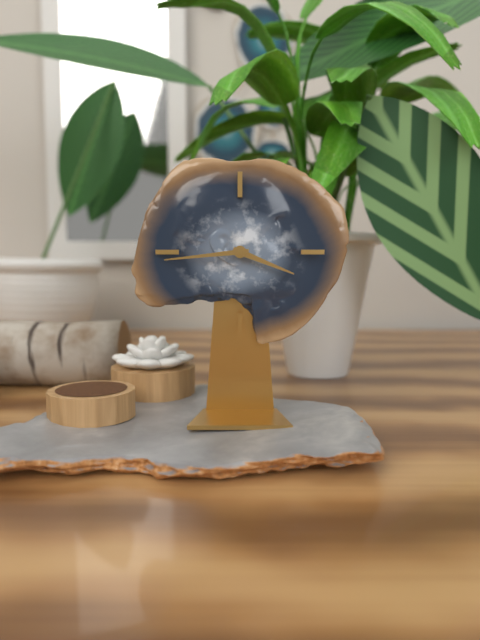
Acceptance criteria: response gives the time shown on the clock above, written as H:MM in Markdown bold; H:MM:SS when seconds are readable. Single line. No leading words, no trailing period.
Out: **3:44**
